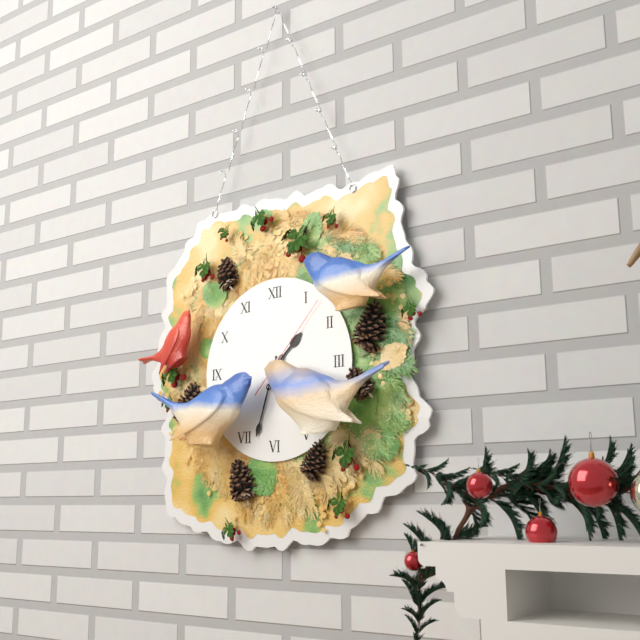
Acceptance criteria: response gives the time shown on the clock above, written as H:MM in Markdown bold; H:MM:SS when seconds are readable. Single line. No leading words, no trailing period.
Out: **1:33:07**
